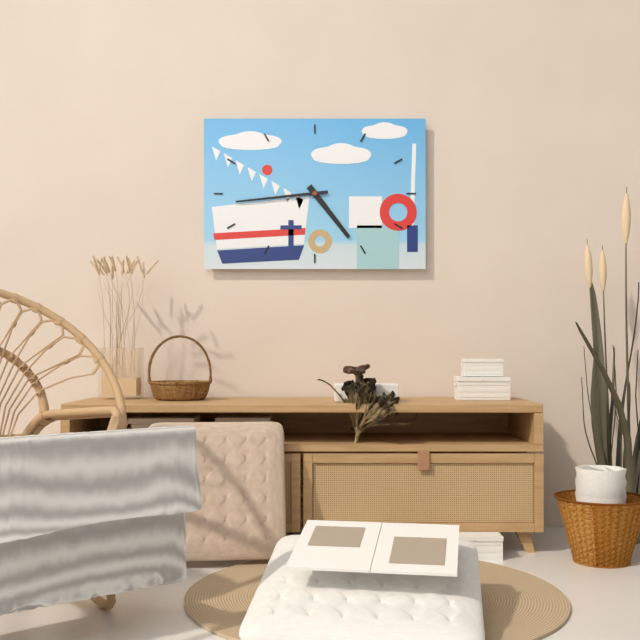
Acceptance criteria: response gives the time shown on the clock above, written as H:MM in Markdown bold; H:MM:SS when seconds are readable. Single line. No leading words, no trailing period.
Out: **4:44**
